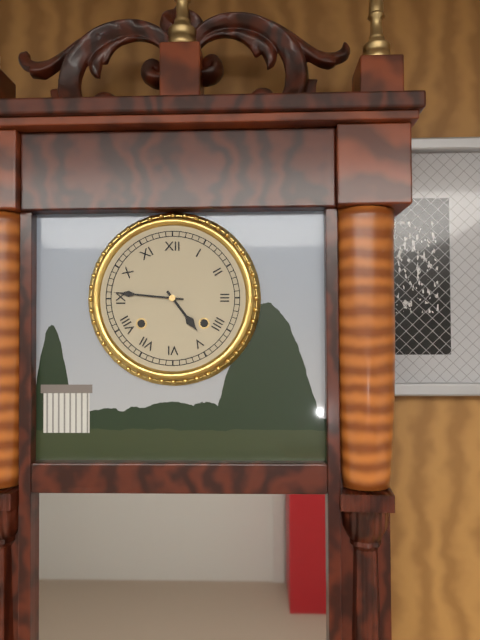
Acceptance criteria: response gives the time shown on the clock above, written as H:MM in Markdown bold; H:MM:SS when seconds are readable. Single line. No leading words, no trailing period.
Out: **4:46**
